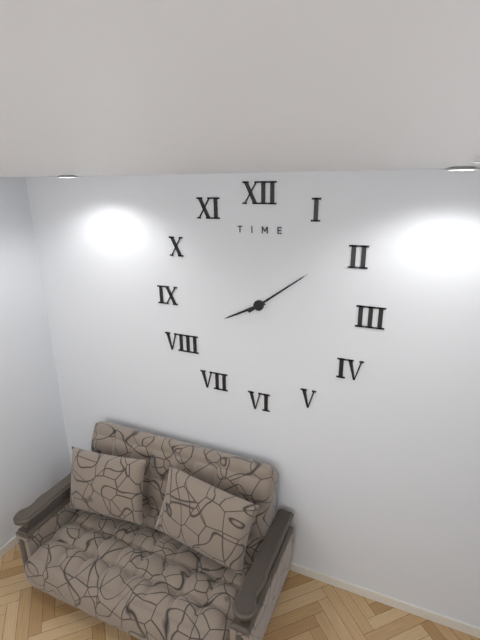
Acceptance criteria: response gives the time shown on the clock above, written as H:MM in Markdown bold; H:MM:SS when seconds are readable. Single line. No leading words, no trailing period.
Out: **8:09**
